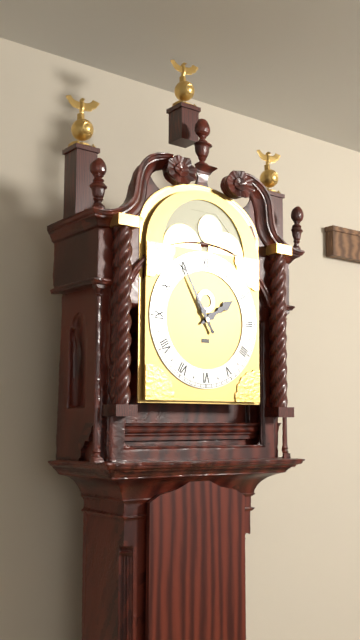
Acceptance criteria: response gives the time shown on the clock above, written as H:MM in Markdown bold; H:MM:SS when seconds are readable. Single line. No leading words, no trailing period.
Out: **1:55**
